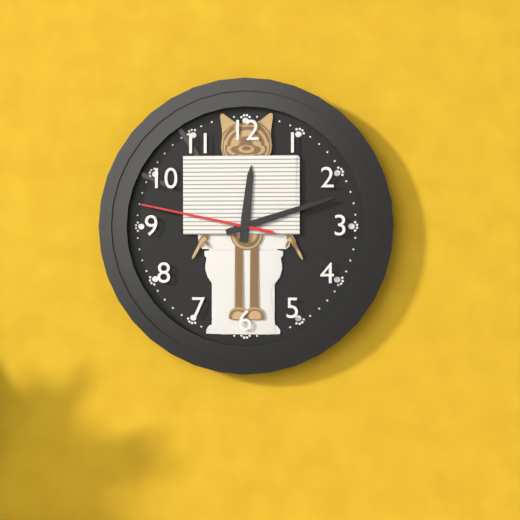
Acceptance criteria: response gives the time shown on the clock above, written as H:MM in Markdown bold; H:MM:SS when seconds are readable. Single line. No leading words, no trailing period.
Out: **12:12:47**
